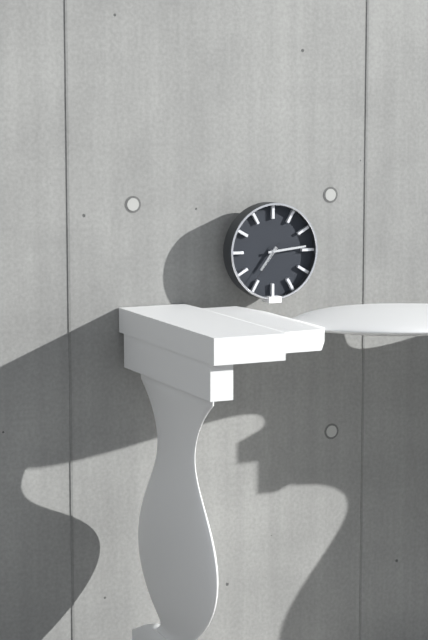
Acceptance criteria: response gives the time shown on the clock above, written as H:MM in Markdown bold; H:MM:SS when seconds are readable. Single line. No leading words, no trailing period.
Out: **7:14**
